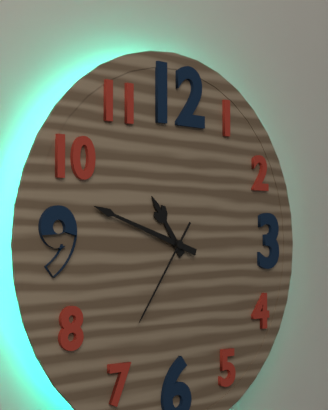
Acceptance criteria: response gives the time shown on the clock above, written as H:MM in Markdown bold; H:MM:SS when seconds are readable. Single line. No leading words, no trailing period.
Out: **10:48:36**
